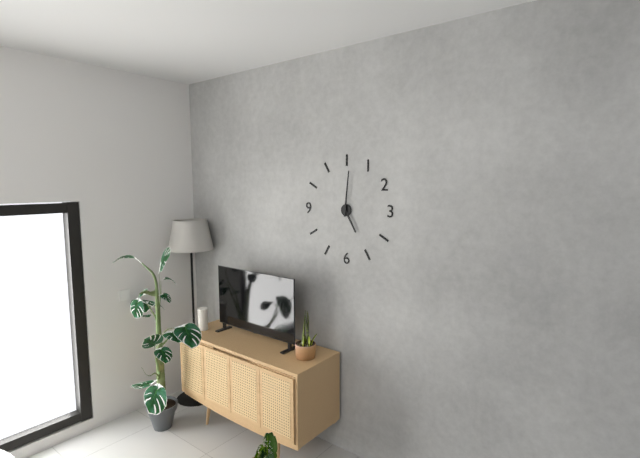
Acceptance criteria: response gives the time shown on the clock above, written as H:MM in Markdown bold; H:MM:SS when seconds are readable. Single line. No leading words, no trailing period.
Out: **5:01**
